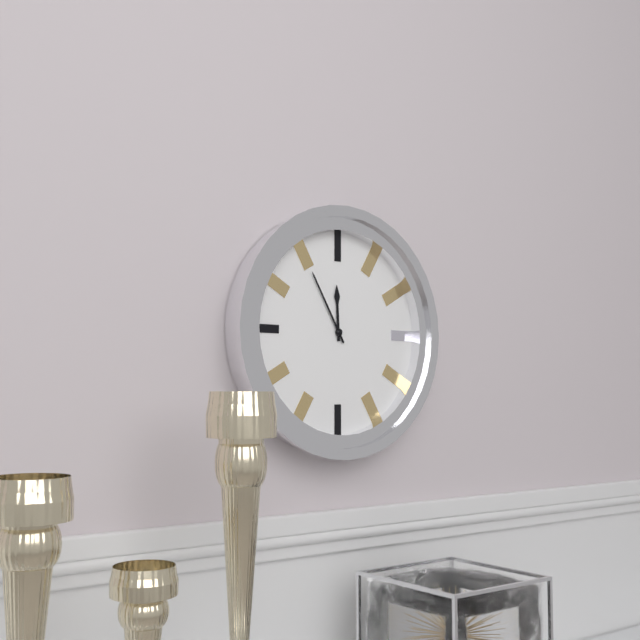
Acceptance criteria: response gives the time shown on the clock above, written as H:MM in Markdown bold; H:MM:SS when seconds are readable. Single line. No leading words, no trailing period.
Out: **11:55**
